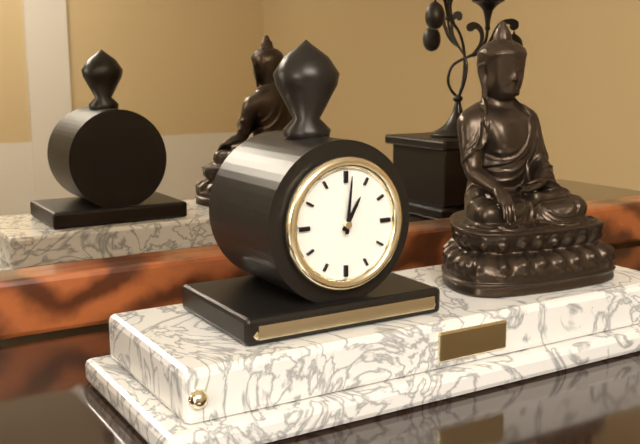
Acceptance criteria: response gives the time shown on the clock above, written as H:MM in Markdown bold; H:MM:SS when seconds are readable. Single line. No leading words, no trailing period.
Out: **1:01**
